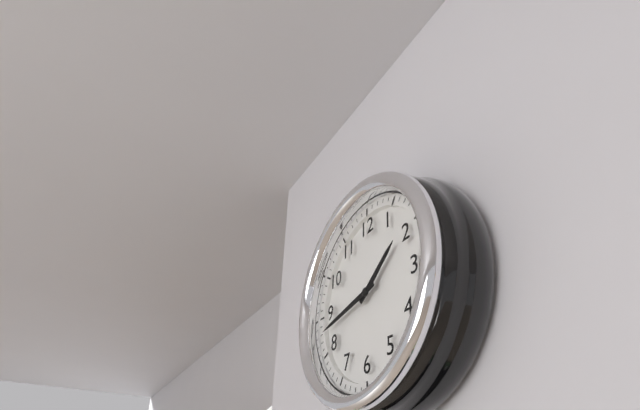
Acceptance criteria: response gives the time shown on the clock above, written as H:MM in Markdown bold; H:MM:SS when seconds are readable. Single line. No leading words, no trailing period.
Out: **1:43**
